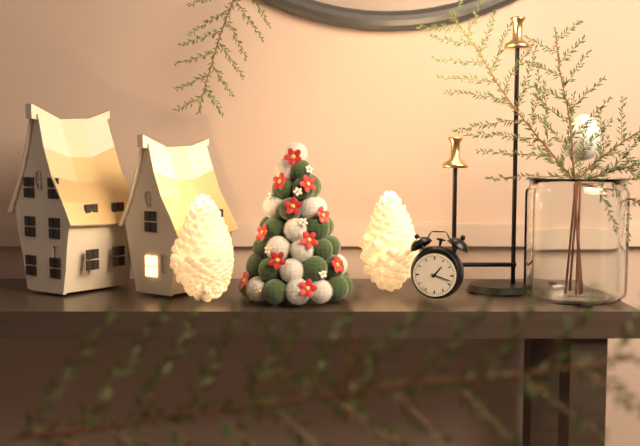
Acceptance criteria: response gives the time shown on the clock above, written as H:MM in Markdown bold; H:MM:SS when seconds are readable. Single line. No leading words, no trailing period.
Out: **1:18**
